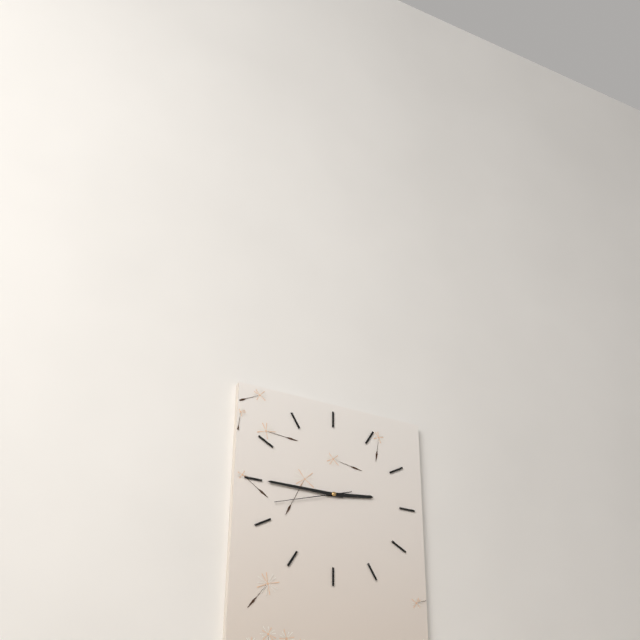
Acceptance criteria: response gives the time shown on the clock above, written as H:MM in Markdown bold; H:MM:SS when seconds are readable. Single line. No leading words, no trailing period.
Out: **2:45:42**
